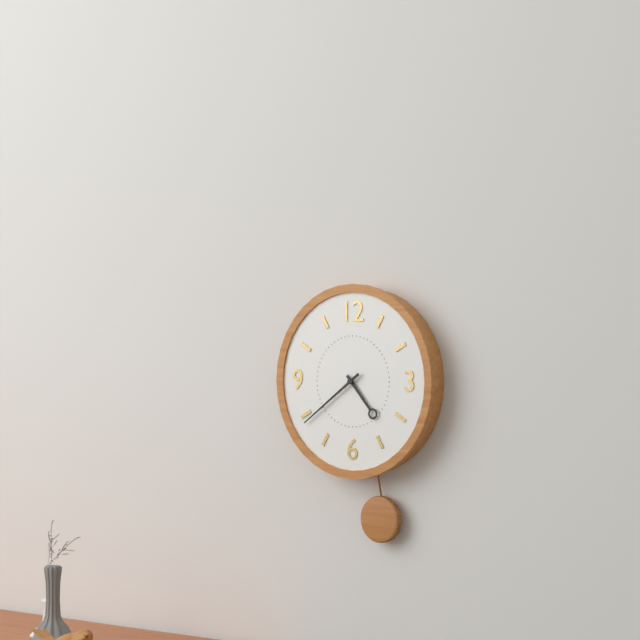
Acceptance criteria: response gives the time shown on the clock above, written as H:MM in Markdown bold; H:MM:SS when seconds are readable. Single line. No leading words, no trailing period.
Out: **4:39**
